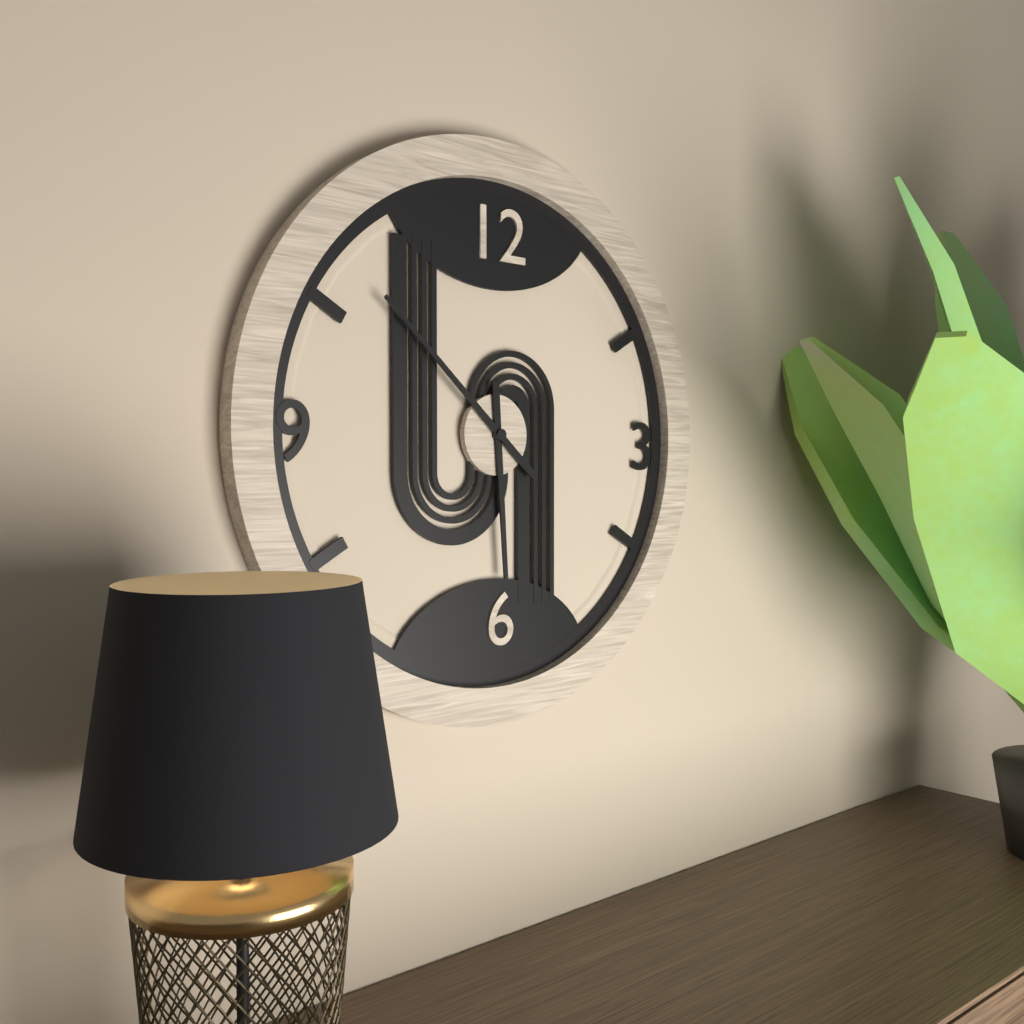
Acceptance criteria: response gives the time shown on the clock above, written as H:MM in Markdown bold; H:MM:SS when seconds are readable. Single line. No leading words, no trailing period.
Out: **5:52**
